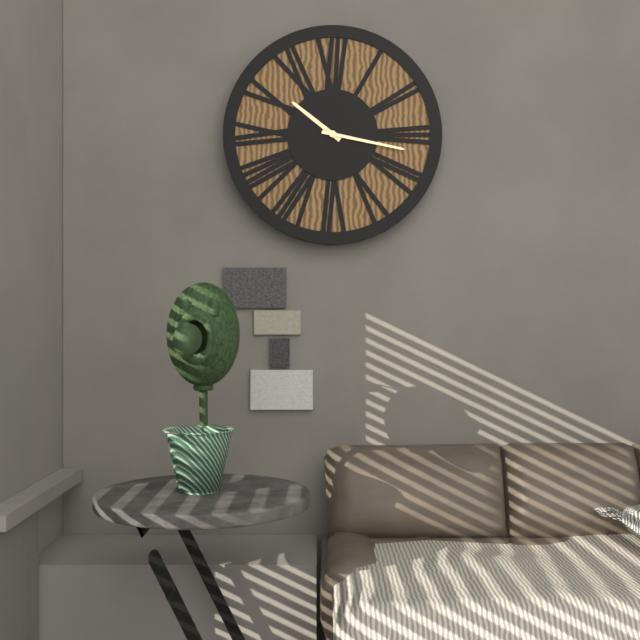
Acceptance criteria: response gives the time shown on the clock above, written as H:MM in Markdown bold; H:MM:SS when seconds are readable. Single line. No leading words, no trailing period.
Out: **10:17**
